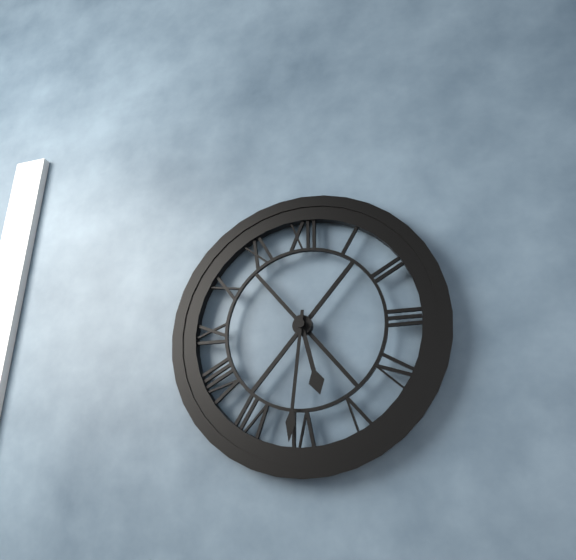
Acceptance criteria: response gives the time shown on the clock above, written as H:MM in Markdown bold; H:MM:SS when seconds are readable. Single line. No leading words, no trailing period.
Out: **5:31**
